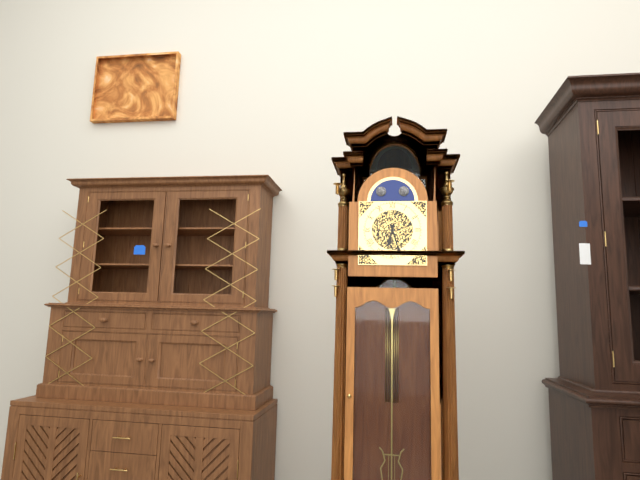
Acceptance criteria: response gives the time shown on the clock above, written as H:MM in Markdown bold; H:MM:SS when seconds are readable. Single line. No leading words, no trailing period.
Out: **6:27**
